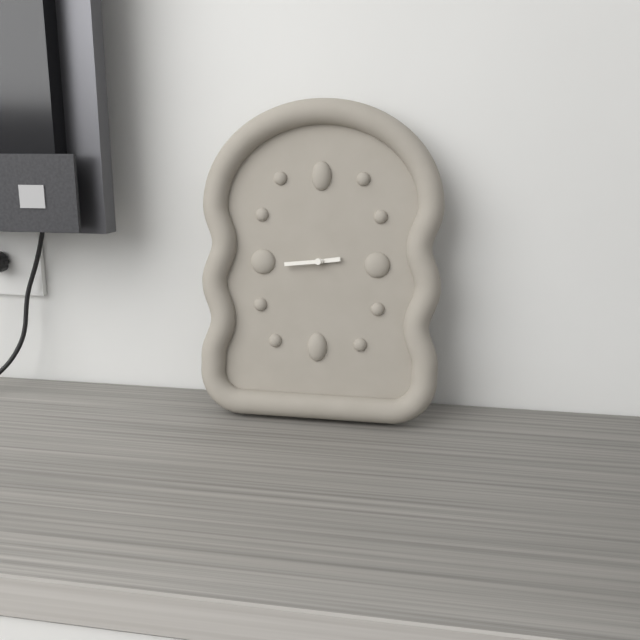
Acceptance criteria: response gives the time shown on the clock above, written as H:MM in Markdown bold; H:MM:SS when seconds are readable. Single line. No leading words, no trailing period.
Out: **2:44**
